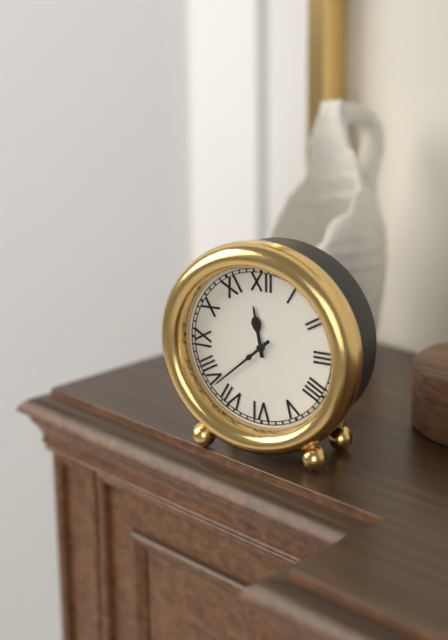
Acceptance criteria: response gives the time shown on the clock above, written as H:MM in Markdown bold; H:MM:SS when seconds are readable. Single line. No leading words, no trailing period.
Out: **11:38**
